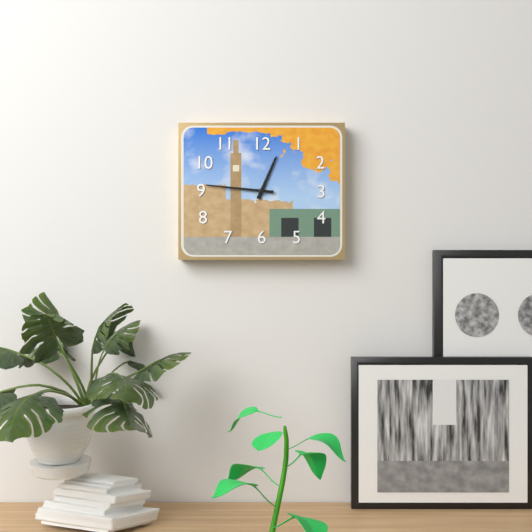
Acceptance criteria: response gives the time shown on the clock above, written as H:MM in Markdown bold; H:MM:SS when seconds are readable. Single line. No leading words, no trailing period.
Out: **12:46**
